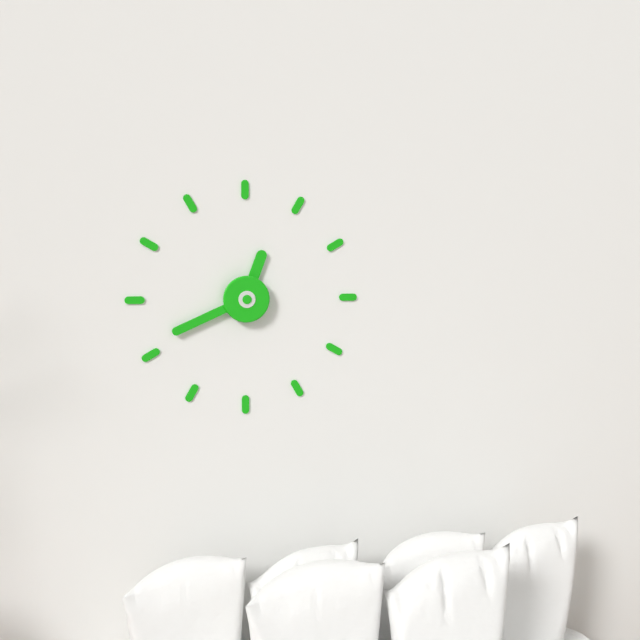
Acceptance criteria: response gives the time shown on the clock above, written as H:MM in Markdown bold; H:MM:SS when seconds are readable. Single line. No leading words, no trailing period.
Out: **12:41**
